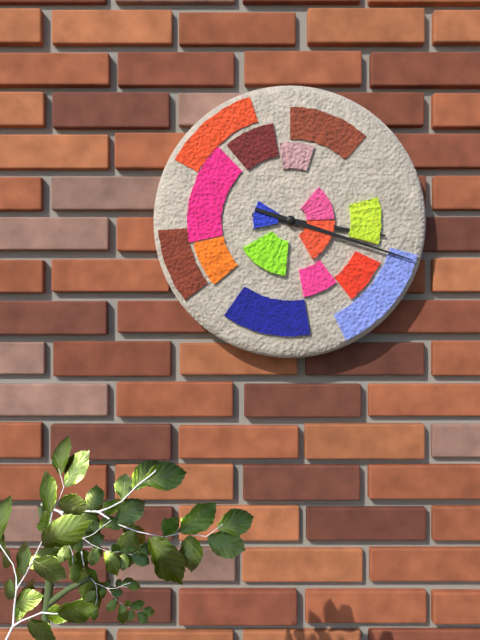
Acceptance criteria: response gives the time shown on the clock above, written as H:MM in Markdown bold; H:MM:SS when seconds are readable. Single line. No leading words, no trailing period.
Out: **3:18**
